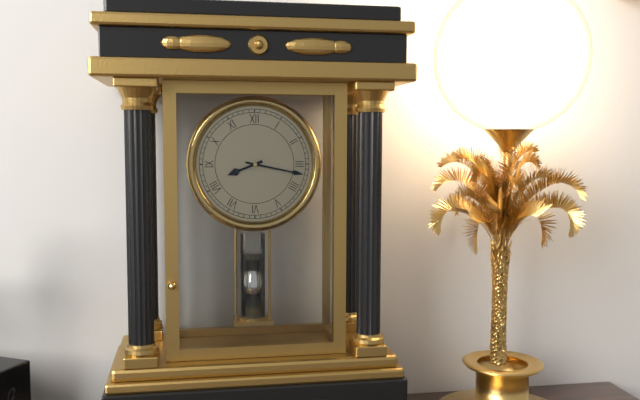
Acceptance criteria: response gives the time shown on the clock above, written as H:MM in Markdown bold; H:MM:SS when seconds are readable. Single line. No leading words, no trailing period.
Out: **8:17**
